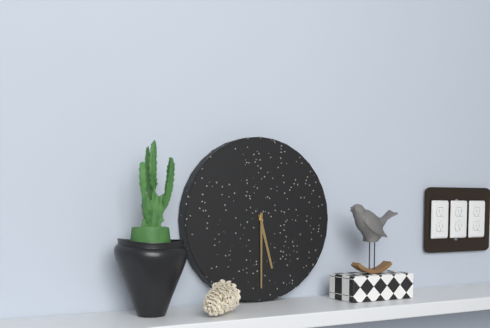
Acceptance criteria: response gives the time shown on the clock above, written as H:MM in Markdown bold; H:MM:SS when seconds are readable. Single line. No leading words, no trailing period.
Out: **5:30**
